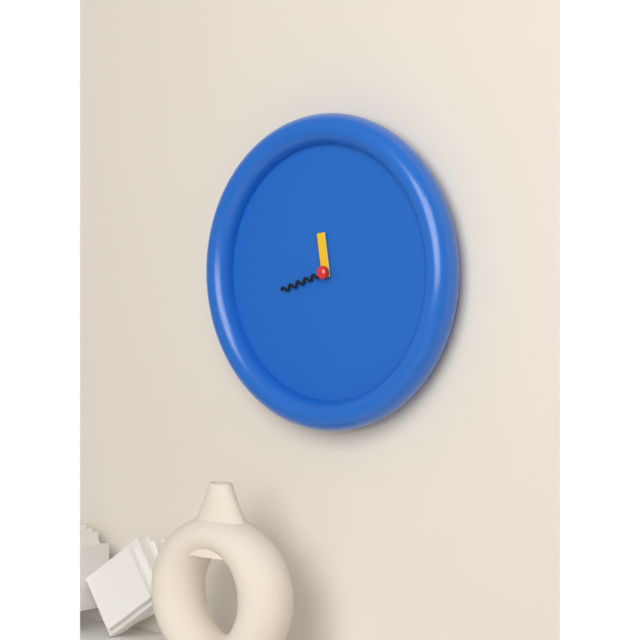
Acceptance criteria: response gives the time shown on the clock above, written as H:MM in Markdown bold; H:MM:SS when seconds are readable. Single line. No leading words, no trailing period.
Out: **11:42**
